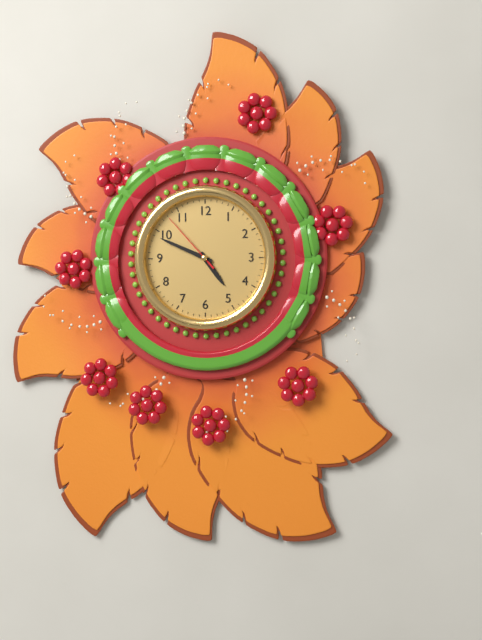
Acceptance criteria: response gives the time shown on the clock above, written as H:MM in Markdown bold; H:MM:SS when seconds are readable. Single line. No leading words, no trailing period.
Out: **4:49:53**
